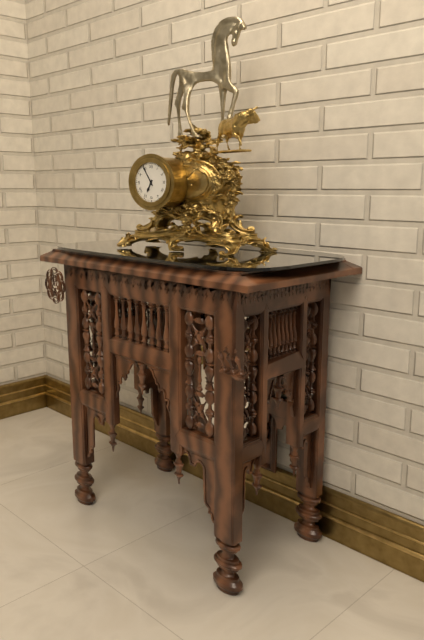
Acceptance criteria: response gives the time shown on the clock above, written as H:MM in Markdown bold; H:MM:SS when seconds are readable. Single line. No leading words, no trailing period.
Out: **6:55**
